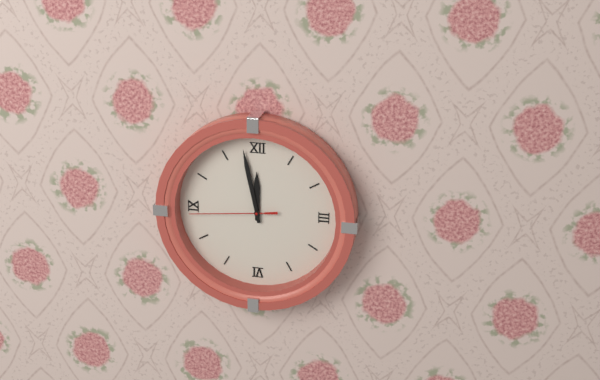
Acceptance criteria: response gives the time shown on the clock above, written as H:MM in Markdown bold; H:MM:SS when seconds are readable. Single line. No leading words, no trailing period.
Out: **11:58:44**
